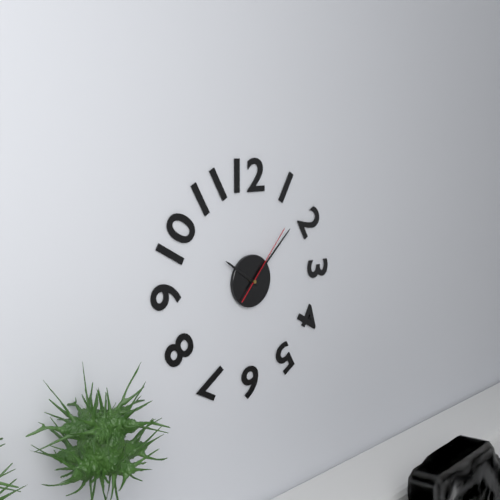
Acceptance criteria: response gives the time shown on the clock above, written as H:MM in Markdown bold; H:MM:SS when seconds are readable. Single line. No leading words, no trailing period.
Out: **10:08:07**
